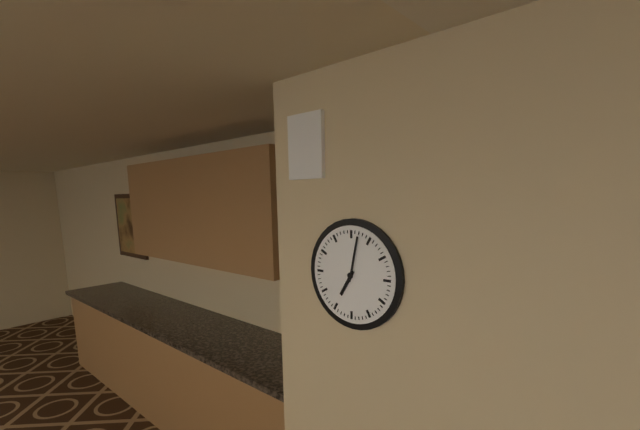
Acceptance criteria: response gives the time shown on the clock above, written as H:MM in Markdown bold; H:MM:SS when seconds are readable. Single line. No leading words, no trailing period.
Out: **7:02**
